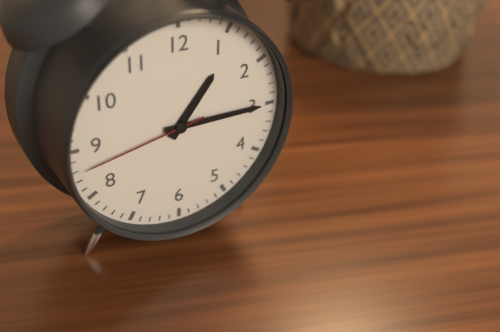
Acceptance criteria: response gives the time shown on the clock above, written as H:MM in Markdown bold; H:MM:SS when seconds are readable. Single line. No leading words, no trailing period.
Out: **1:15:43**
